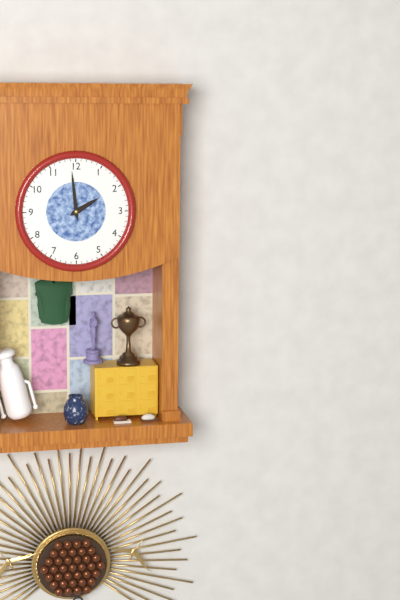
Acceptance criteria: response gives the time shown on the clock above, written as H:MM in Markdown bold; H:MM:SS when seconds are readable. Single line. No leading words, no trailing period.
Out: **1:59**
